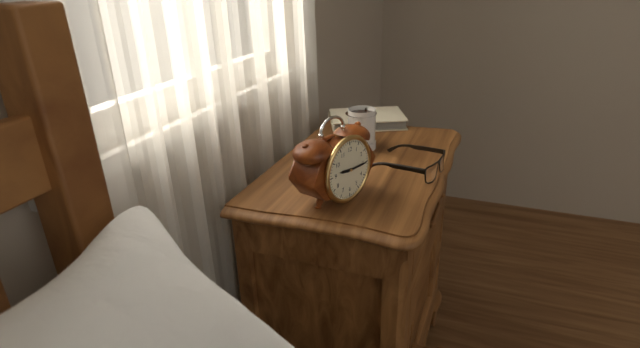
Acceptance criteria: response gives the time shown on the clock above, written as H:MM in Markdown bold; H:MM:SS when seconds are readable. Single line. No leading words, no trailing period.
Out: **9:15**
